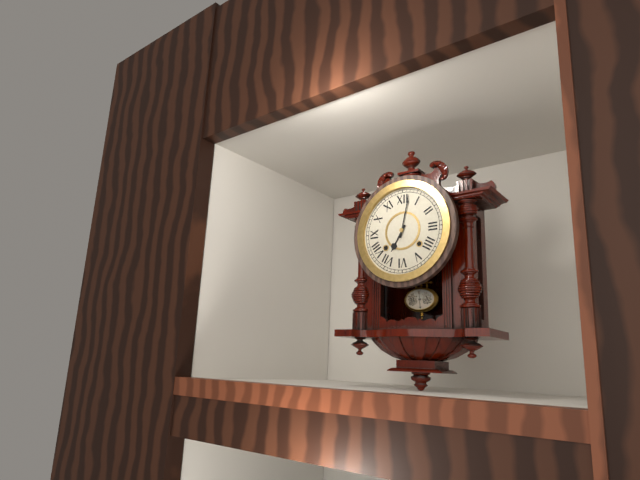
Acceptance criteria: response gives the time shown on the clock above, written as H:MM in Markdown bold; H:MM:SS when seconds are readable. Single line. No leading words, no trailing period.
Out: **7:02**
